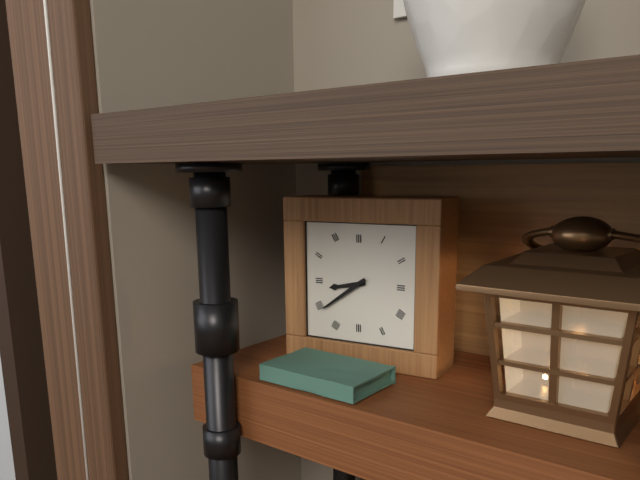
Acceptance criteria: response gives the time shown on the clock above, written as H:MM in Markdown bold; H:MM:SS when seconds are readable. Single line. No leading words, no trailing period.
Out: **8:39**
